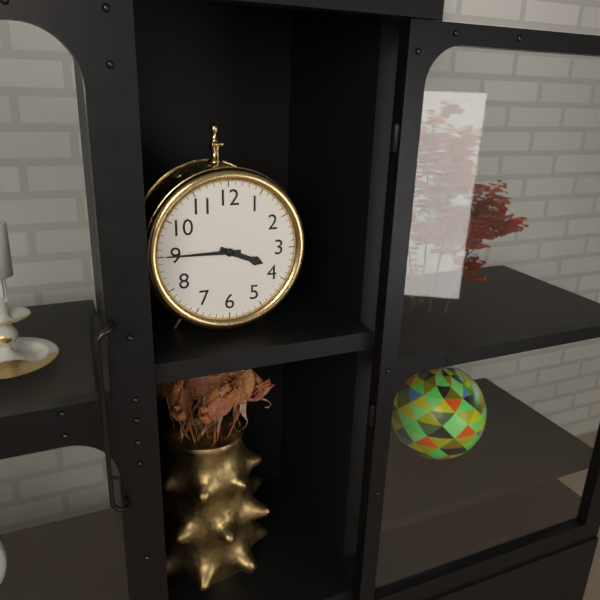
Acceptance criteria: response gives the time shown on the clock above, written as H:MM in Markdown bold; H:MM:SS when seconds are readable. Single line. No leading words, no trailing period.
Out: **3:45**
